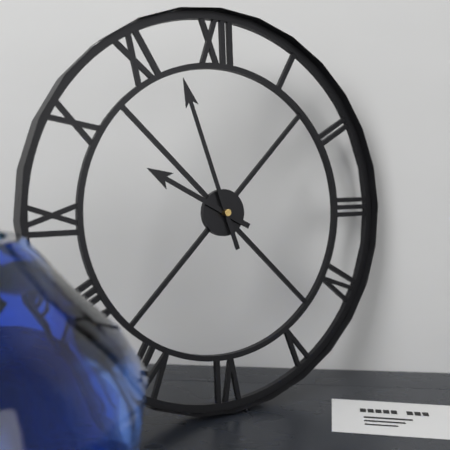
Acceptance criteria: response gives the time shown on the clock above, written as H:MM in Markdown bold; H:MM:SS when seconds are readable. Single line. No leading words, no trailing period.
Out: **9:57**
